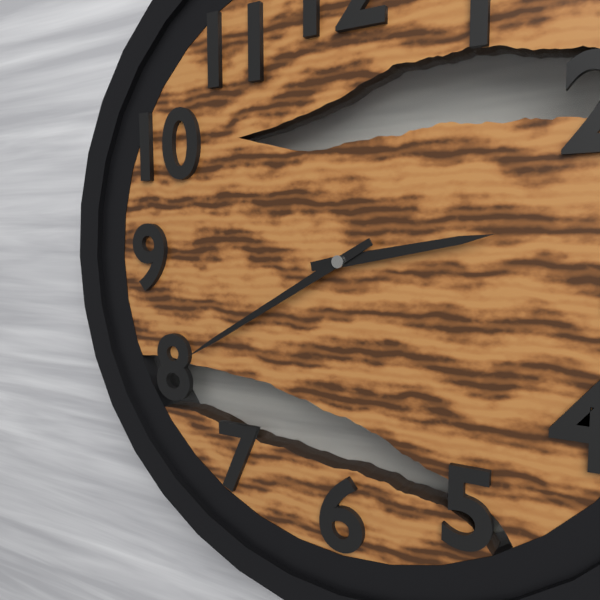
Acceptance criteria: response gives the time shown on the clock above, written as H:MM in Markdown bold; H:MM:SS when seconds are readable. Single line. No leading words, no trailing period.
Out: **2:40**
